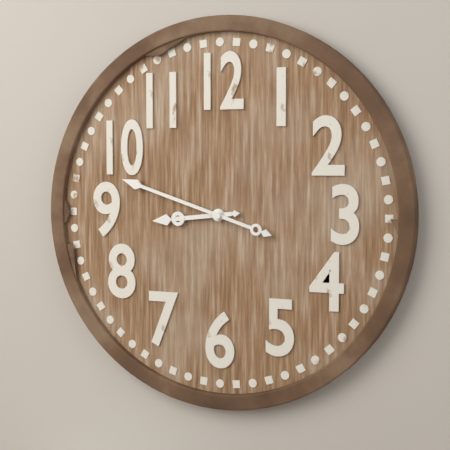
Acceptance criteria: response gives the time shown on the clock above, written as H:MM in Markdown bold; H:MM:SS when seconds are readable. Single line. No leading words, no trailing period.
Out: **8:48**
